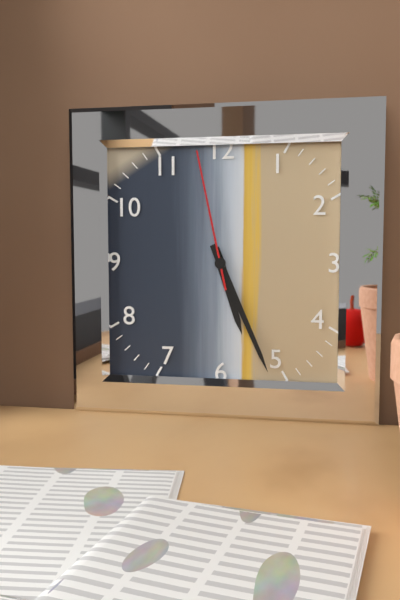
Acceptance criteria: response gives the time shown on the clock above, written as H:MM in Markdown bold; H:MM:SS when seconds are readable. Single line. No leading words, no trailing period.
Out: **5:26:58**
